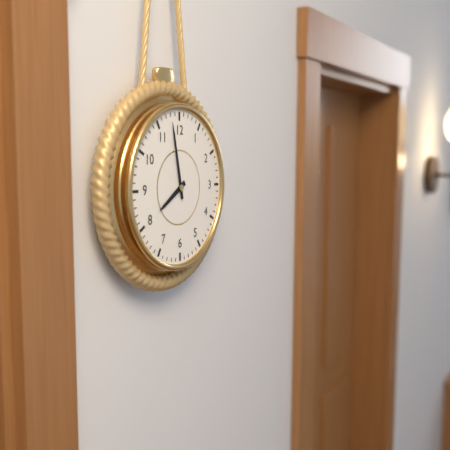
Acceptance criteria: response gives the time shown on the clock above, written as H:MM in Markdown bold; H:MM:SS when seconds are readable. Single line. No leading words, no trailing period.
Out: **7:58**
